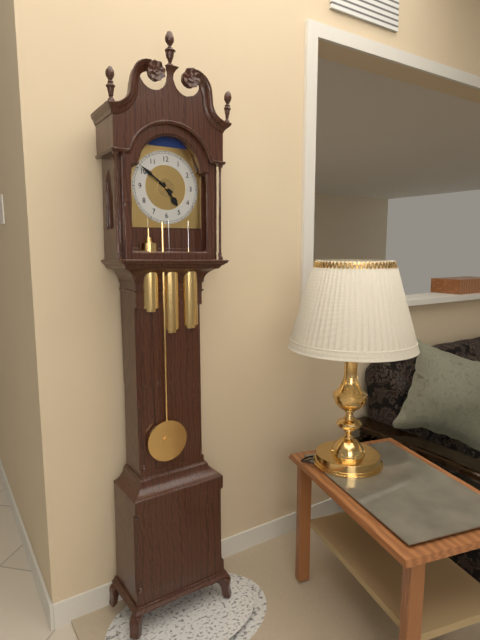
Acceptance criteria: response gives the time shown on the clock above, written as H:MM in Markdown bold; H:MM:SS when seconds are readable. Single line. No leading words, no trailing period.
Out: **4:51**
